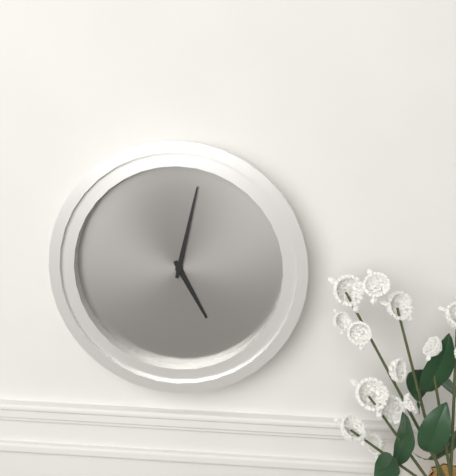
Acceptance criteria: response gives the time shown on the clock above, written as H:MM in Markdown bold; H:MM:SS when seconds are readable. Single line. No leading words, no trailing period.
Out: **5:02**
